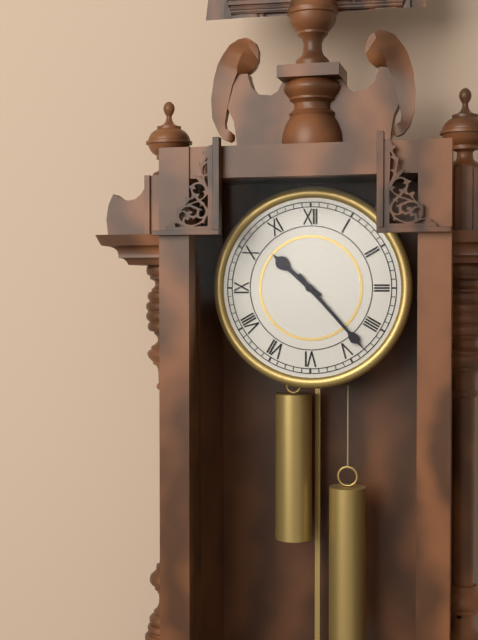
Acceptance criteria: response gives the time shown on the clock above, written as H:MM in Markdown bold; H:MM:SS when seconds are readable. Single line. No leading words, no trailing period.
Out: **10:23**
